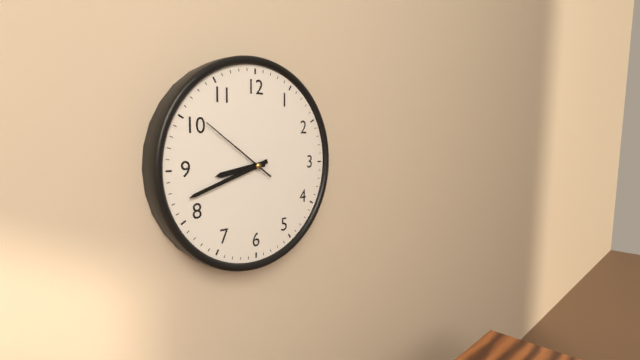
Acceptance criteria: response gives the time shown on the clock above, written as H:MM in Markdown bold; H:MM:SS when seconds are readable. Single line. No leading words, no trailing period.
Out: **8:42:51**
